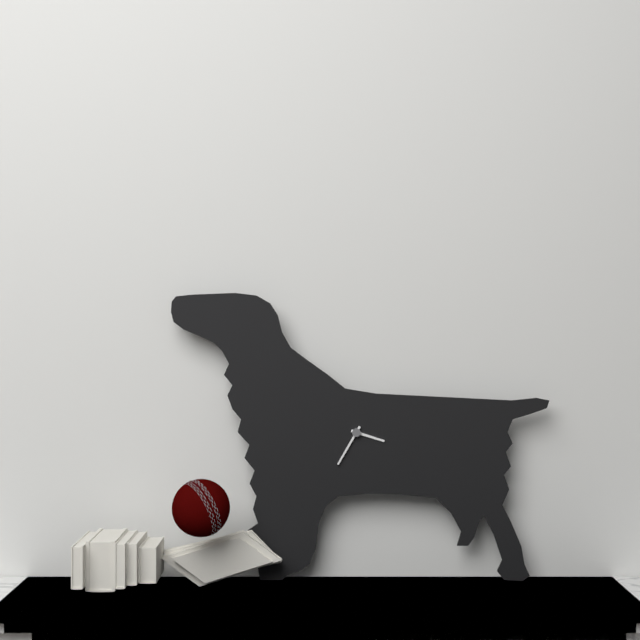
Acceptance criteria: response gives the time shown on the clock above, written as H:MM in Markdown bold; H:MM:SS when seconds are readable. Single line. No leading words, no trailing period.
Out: **3:35**
